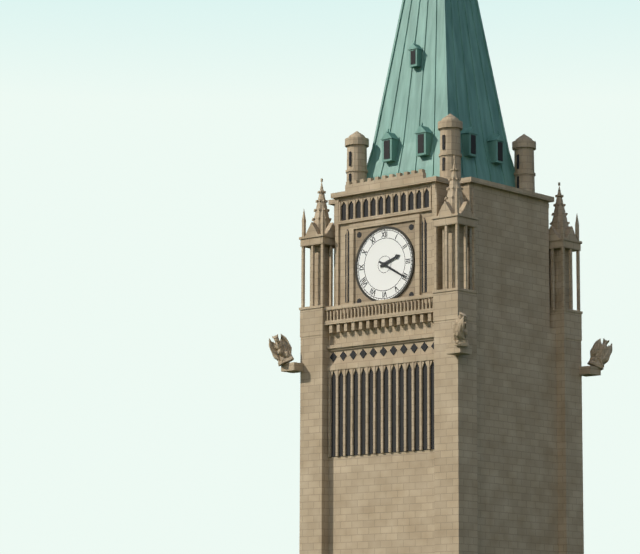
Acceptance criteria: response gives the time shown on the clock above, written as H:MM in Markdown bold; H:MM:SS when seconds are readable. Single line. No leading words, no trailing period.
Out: **2:20**
